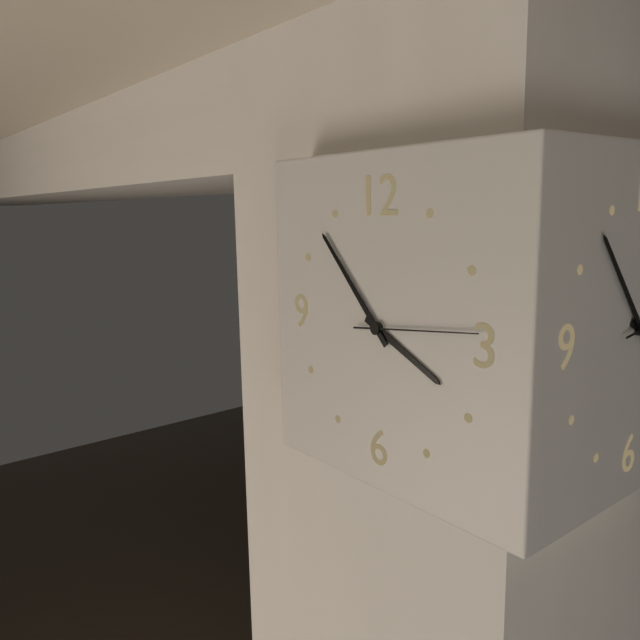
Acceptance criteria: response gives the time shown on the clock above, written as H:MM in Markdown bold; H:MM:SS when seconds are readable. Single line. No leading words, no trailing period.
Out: **3:53:14**
